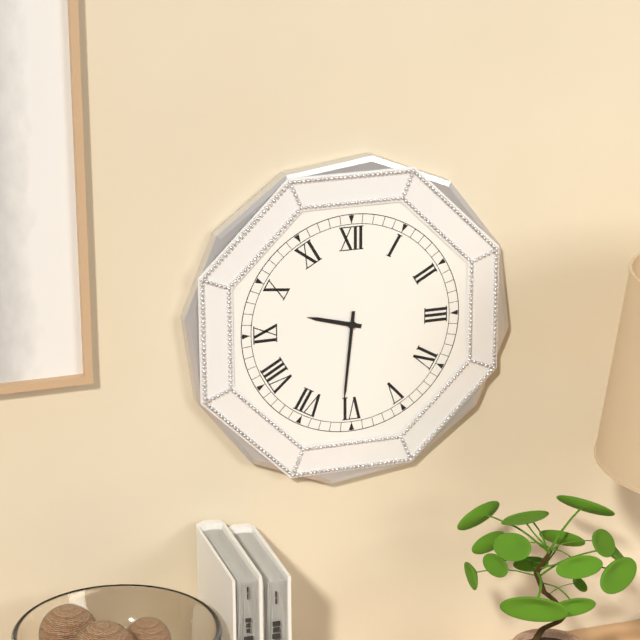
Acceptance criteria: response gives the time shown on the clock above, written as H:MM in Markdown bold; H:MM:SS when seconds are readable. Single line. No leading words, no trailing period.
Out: **9:31**
